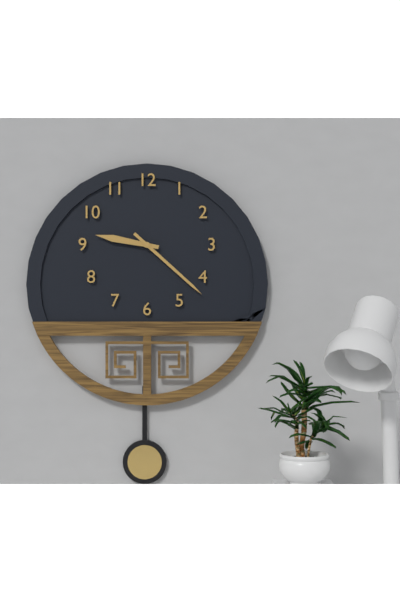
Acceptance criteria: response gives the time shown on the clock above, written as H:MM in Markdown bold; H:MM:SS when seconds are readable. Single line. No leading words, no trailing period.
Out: **9:22**
